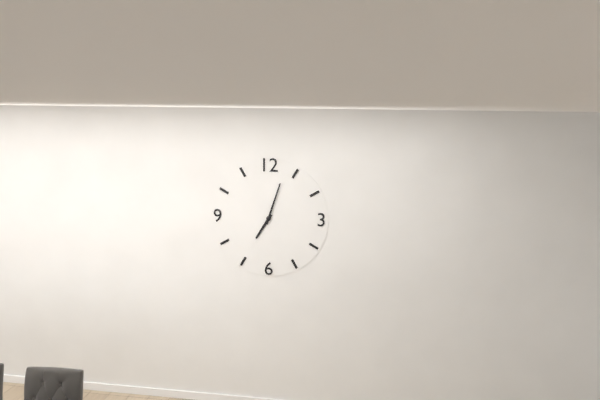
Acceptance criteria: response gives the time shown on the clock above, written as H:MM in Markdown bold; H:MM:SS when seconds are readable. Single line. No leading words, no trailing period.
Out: **7:03**
